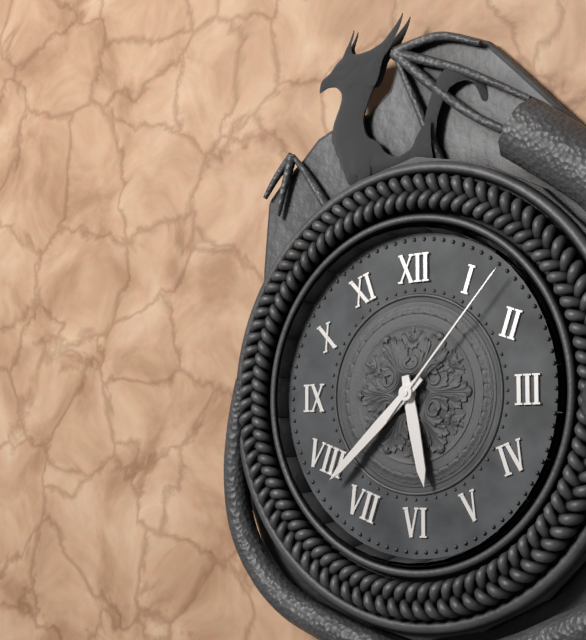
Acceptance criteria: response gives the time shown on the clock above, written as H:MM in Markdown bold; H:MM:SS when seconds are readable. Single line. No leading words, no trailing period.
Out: **5:38:07**
